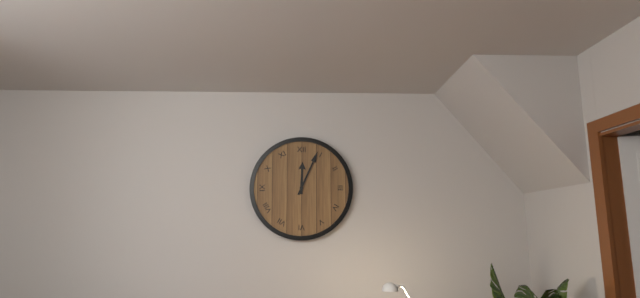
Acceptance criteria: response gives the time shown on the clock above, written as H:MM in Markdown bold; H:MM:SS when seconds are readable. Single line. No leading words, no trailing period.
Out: **12:04**
